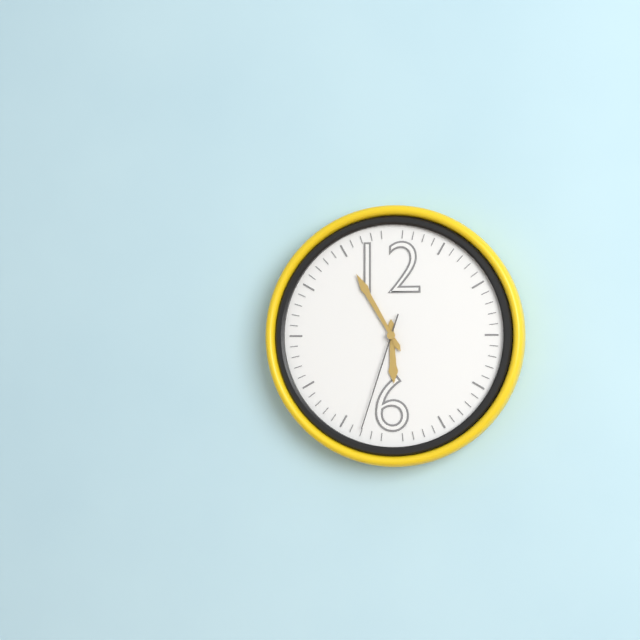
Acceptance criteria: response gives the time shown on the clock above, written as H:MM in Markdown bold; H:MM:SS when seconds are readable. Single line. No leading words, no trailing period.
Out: **5:55:33**
